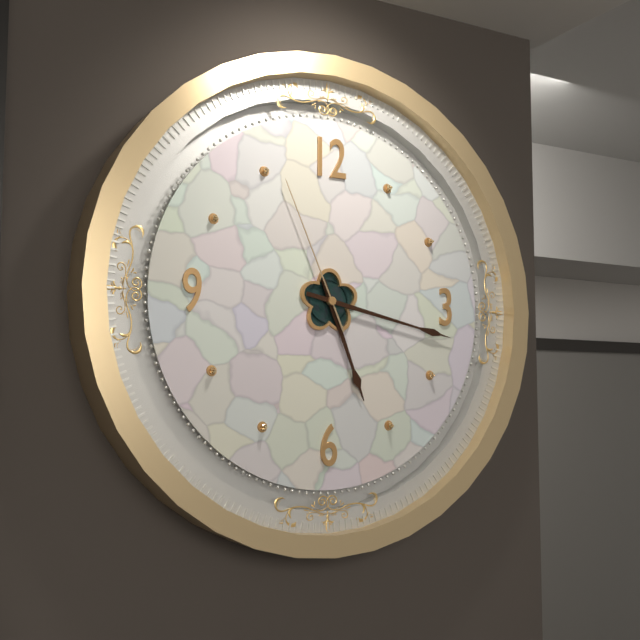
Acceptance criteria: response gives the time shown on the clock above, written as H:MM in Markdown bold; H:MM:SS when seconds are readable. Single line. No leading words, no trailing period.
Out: **5:17:56**
